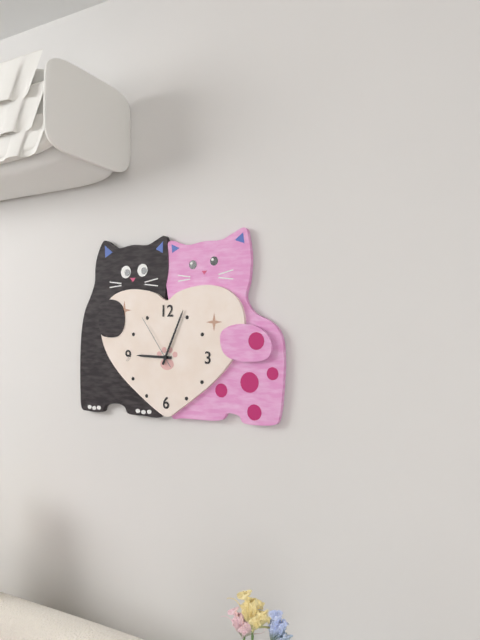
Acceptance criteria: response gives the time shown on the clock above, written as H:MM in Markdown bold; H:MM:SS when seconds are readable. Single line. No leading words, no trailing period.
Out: **9:04:54**
